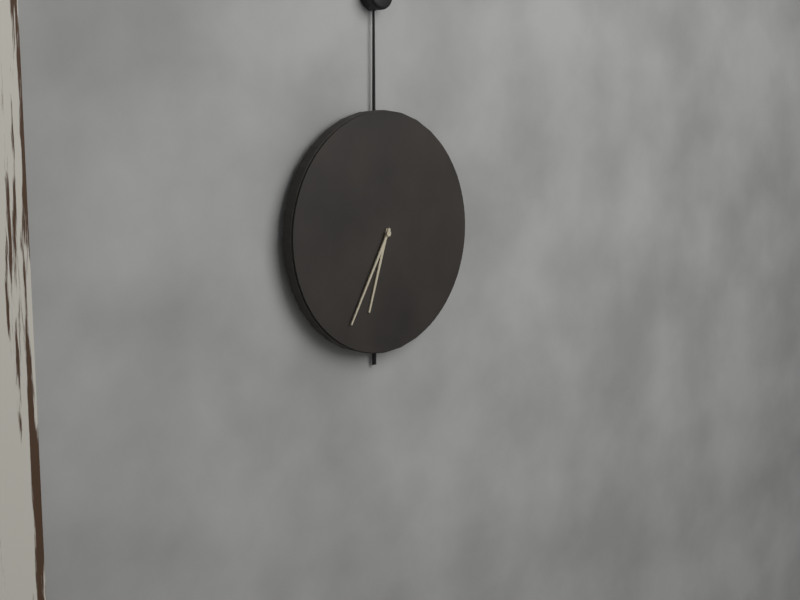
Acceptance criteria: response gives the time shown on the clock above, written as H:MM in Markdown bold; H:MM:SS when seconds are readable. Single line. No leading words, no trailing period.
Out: **6:35**
